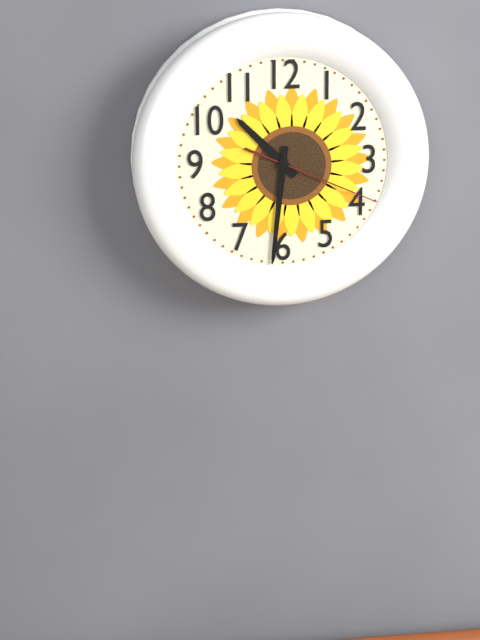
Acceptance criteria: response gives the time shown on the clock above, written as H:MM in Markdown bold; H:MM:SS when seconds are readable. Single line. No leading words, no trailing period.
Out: **10:31:19**
